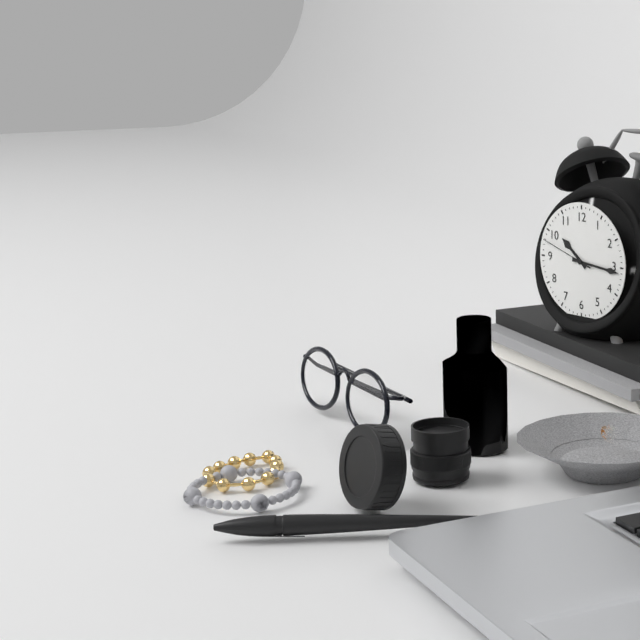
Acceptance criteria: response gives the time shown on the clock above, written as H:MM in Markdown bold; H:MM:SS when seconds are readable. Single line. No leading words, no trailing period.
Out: **10:16:48**
